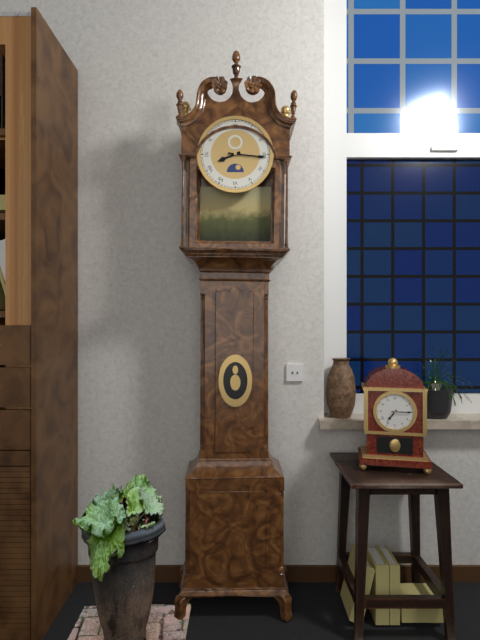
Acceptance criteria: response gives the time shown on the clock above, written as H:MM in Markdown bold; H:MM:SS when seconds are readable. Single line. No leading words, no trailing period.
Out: **8:16**
